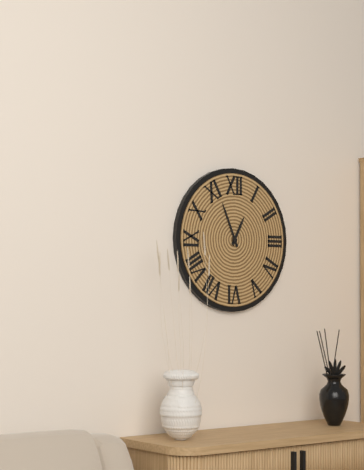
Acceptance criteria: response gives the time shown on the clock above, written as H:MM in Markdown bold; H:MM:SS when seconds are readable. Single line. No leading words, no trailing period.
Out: **12:56**
